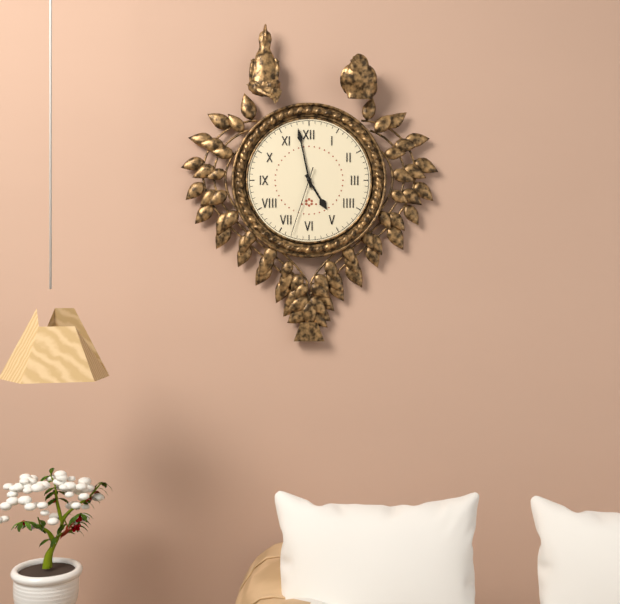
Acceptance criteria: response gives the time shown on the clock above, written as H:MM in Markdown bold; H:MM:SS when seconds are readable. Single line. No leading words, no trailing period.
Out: **4:58:33**
